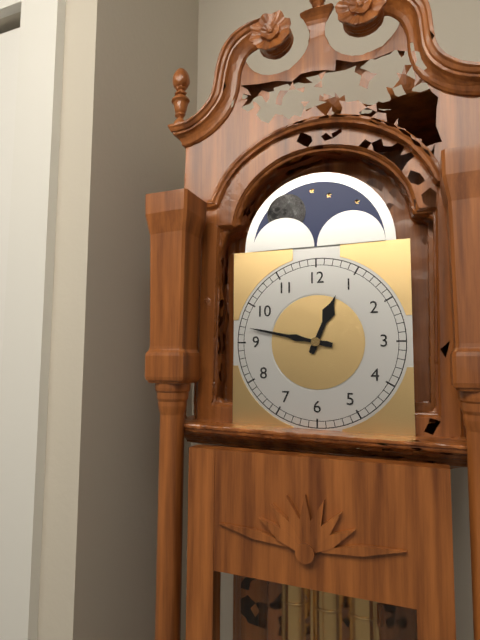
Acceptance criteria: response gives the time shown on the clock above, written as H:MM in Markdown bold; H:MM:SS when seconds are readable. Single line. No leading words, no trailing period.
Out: **12:47**
